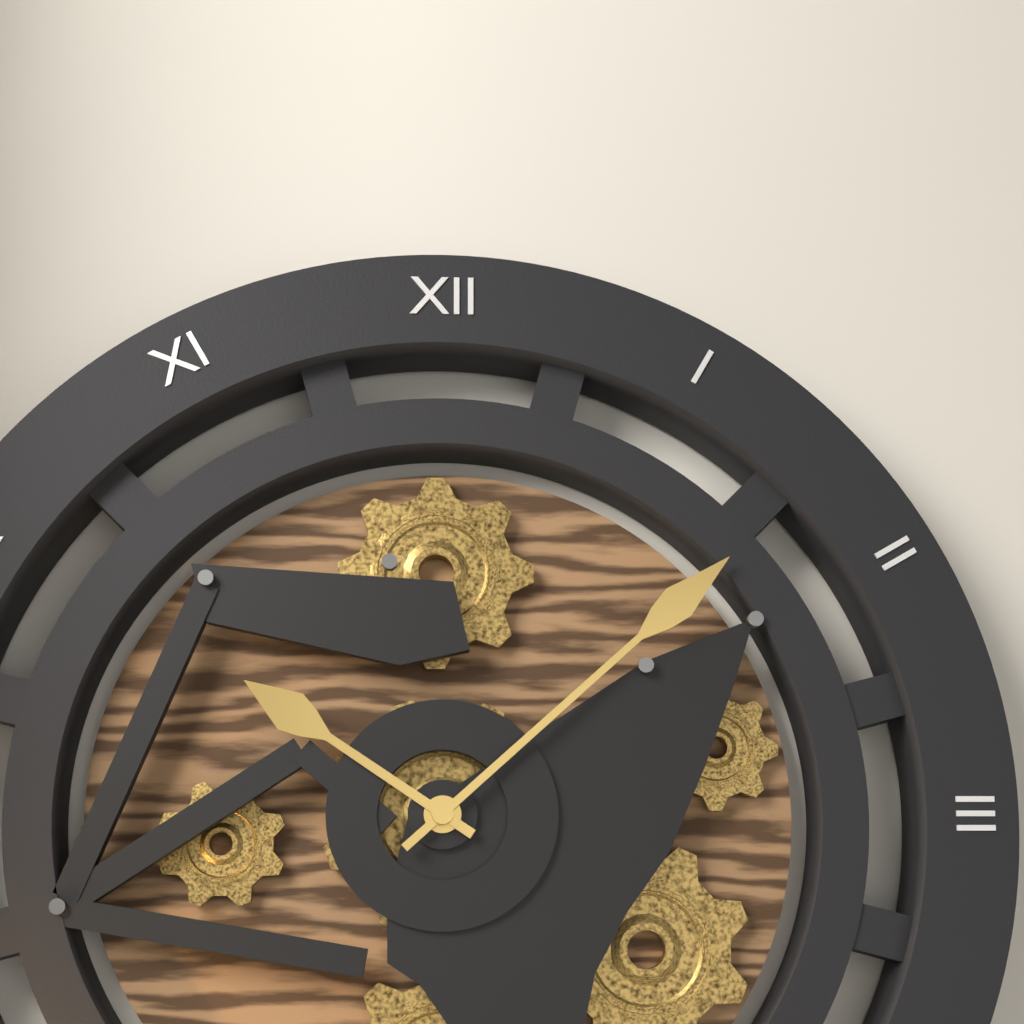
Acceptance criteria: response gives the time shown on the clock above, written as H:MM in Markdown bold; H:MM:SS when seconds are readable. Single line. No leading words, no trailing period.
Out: **10:08**
